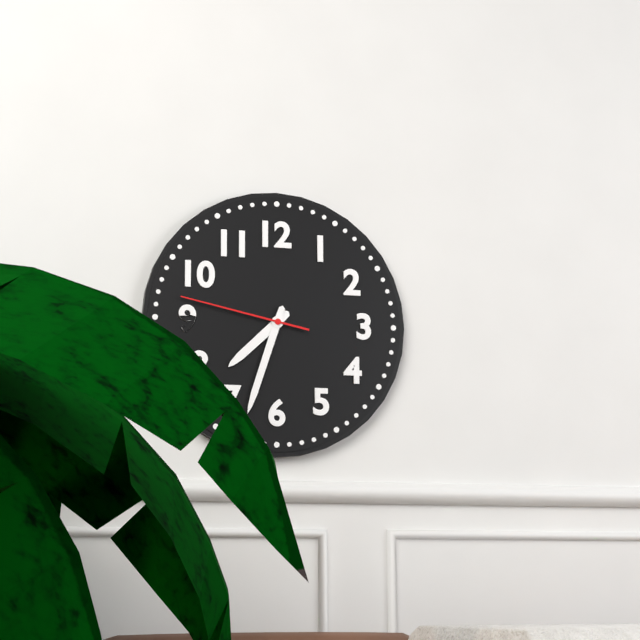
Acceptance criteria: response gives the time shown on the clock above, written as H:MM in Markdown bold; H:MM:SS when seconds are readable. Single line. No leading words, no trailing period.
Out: **7:33:47**
